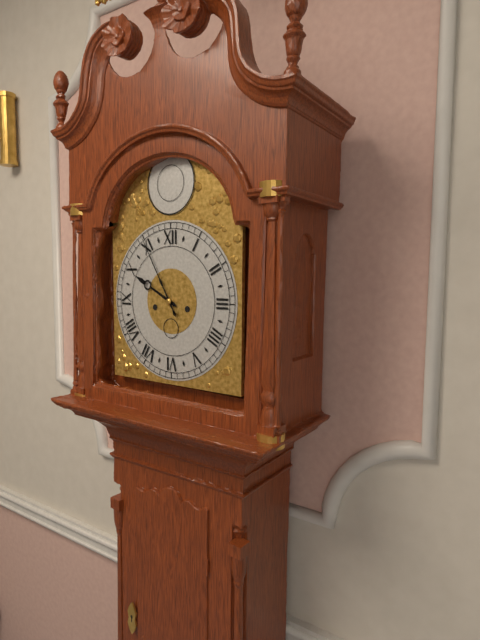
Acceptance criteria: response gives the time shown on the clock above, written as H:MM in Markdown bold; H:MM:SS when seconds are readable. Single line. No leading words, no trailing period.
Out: **9:55**
